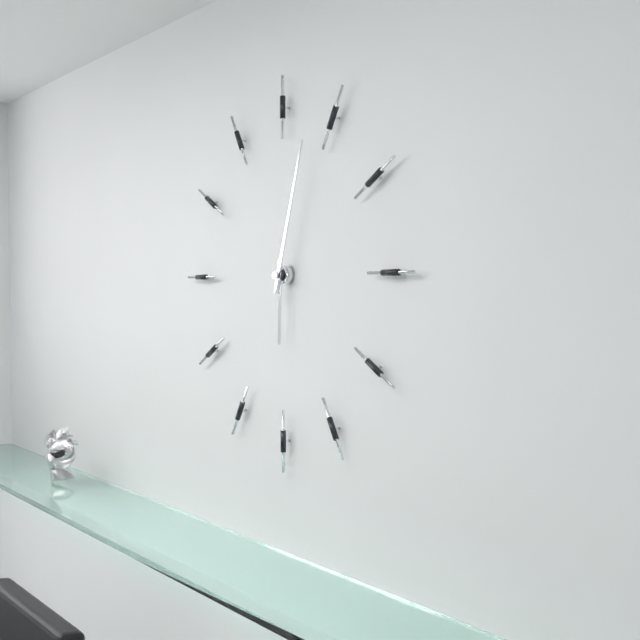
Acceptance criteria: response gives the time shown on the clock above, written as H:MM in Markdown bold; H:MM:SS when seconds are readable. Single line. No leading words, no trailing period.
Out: **6:03**
